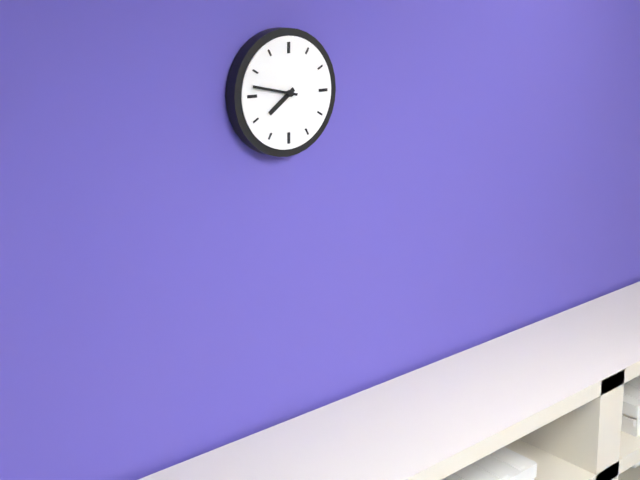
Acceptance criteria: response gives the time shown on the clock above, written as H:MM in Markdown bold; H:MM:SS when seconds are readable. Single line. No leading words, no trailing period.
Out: **7:47**
